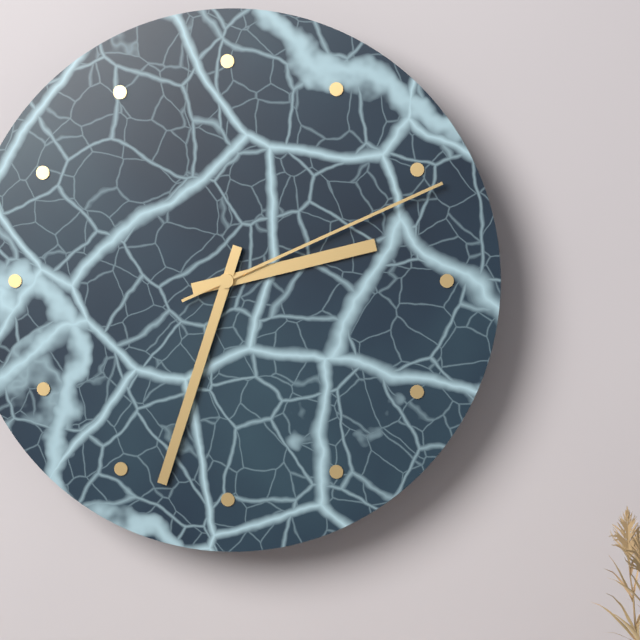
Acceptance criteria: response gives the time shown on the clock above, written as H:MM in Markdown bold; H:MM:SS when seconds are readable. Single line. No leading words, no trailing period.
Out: **2:33:11**
